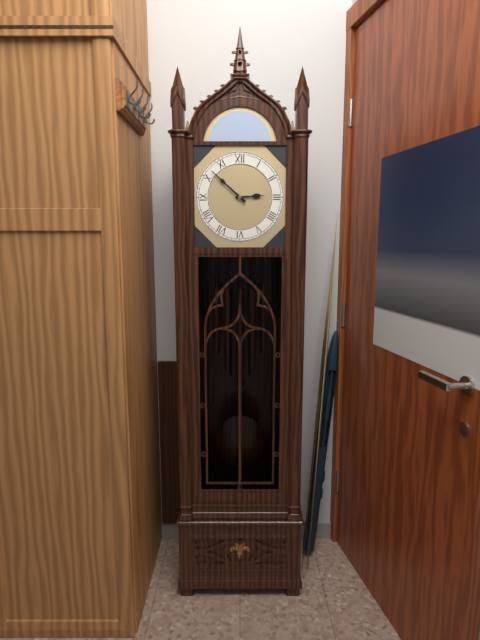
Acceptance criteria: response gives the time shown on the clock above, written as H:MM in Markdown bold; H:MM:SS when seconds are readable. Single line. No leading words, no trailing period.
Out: **2:52**
